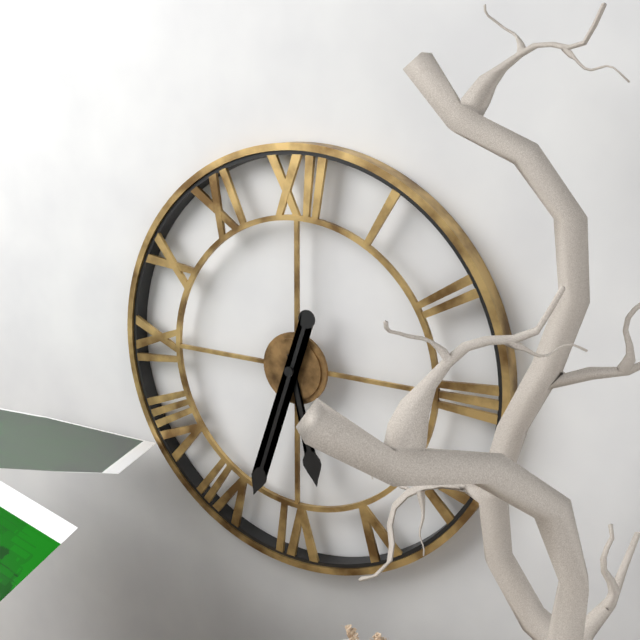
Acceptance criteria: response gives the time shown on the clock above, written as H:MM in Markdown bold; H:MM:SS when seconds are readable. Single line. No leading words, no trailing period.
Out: **5:33**
